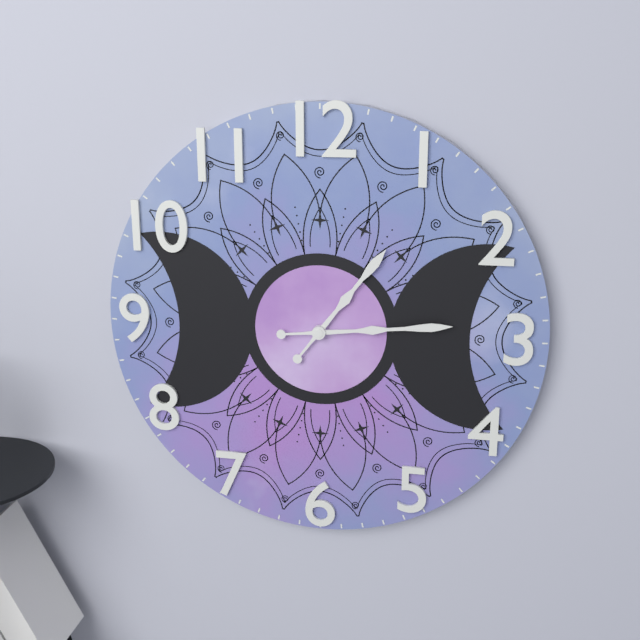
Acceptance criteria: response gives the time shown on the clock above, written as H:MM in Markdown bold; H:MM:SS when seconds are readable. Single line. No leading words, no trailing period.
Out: **1:14**
